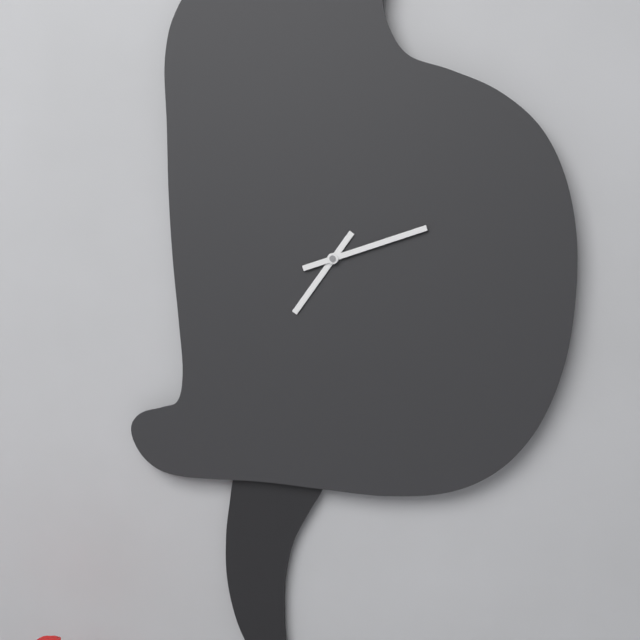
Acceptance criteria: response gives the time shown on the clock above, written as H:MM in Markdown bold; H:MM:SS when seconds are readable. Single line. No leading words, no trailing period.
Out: **7:12**
